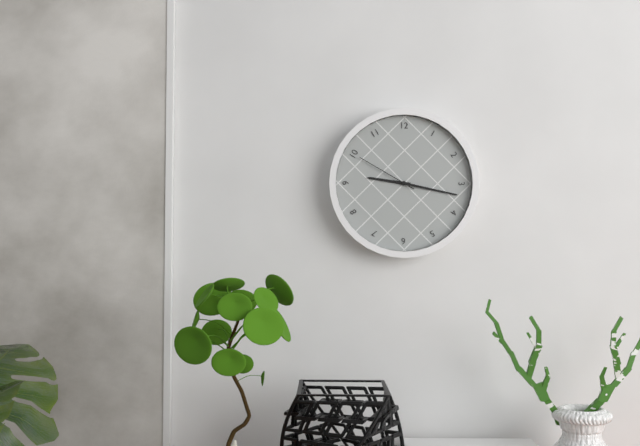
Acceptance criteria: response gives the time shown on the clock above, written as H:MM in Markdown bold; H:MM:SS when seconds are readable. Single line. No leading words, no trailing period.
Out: **9:17:50**
